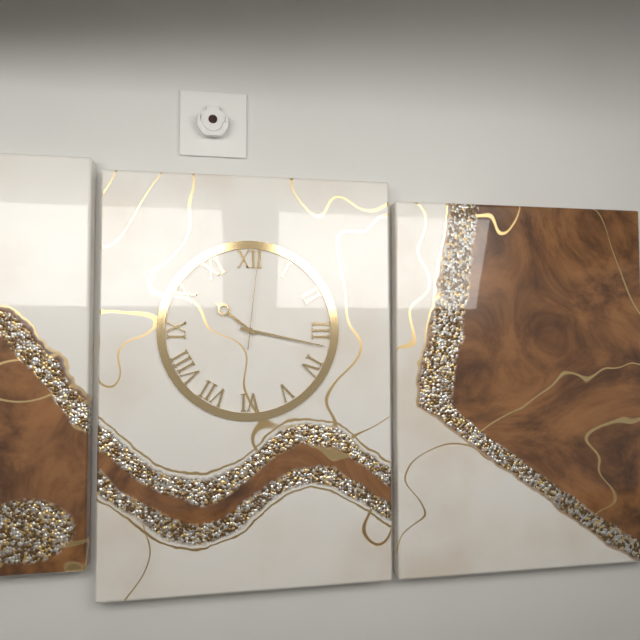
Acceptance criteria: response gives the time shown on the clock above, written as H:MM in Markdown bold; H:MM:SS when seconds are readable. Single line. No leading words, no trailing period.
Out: **10:17:01**
